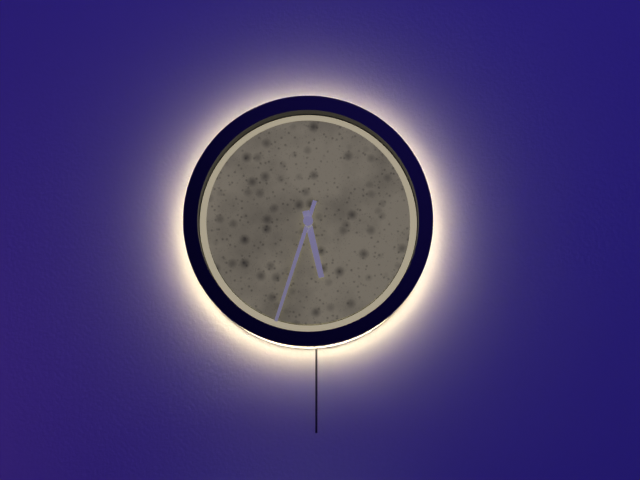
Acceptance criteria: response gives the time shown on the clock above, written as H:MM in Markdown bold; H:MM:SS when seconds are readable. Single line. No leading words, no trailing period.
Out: **5:33**
